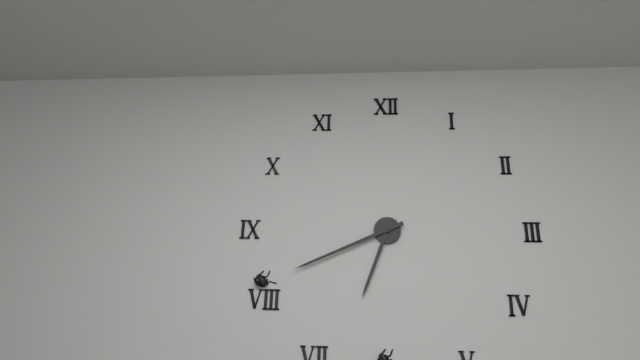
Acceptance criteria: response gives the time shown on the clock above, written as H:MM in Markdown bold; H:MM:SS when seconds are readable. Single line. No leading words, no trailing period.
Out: **6:41**
